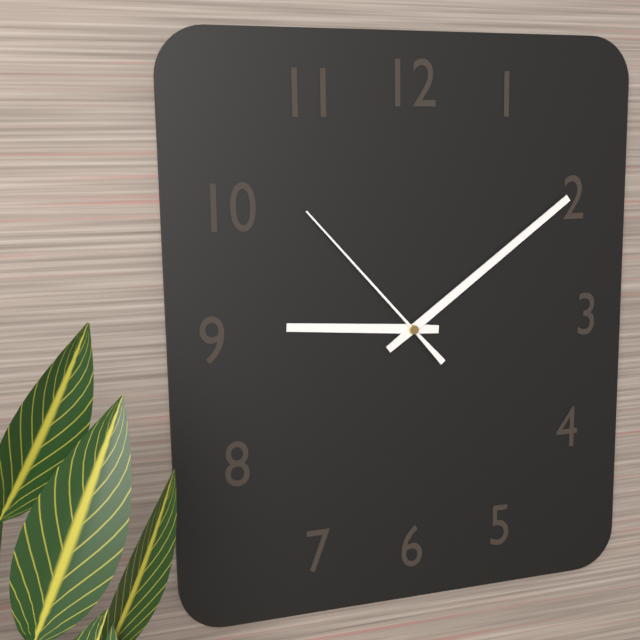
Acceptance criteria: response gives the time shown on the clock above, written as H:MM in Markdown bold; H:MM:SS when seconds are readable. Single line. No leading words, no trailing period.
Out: **9:09:53**
